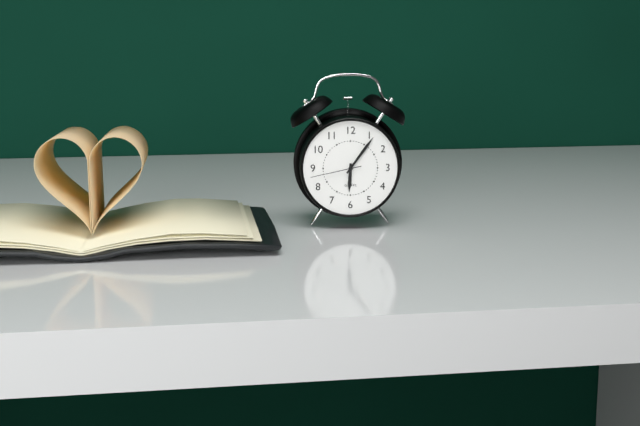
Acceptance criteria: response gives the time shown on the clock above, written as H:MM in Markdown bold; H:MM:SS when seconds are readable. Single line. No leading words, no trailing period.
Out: **6:06:43**
